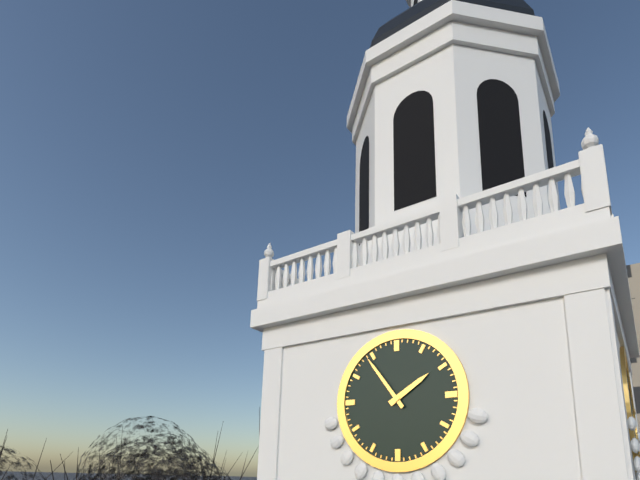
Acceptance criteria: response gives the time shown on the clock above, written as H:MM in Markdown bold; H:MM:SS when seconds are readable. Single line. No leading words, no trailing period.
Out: **1:54**
